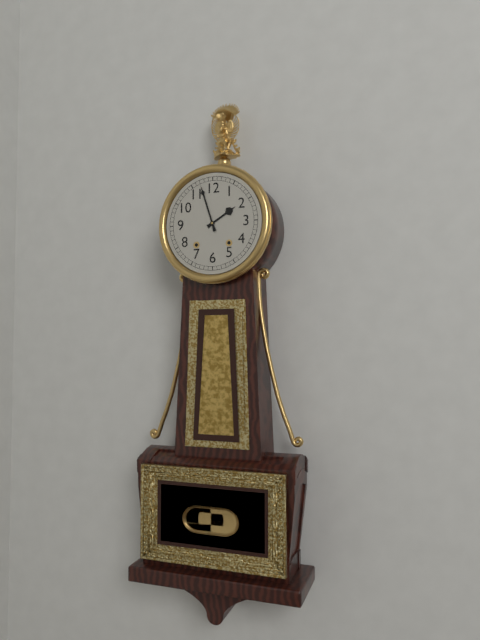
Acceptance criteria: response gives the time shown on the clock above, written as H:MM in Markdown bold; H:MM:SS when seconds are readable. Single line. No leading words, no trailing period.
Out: **1:57**
